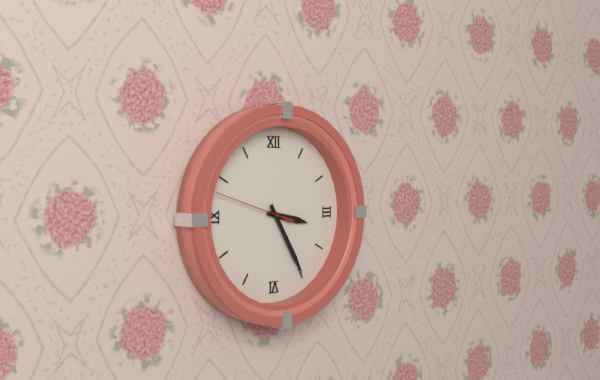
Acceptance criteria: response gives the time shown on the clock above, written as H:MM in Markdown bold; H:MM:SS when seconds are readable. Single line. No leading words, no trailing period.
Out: **3:25:48**
